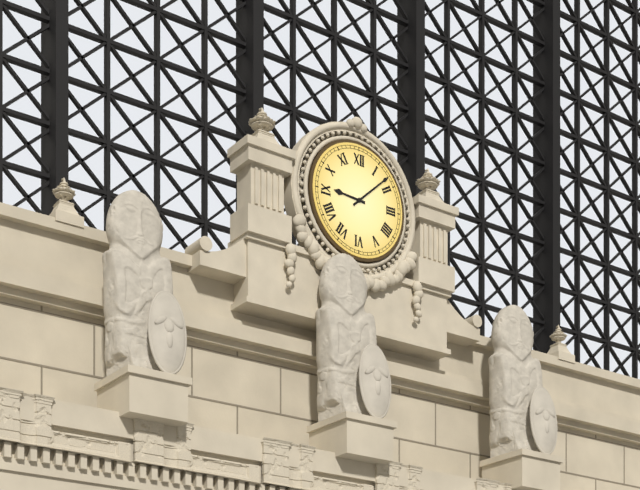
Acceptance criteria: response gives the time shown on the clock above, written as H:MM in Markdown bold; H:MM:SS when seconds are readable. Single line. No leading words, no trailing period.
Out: **9:08**
